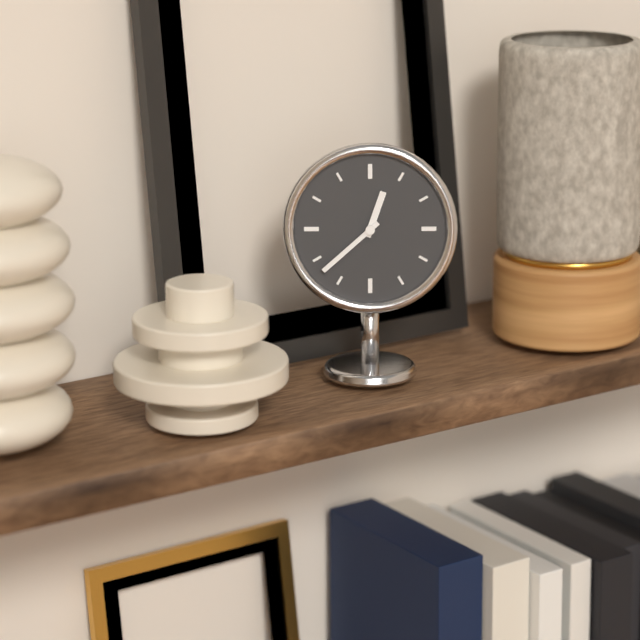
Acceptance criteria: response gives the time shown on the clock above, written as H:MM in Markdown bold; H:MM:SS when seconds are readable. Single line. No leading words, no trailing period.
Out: **12:38**
